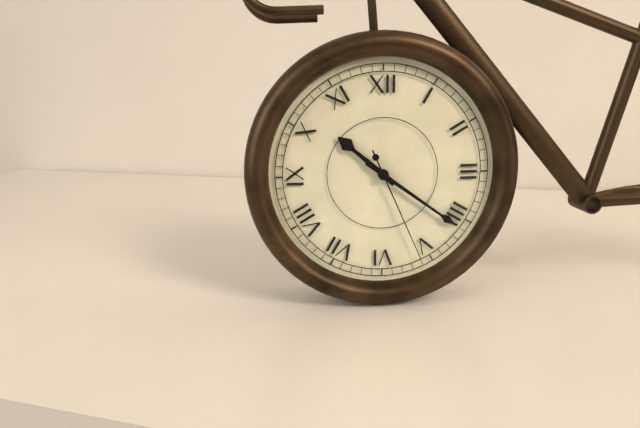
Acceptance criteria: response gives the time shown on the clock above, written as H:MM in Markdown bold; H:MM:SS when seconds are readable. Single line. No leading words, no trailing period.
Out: **10:21:26**
